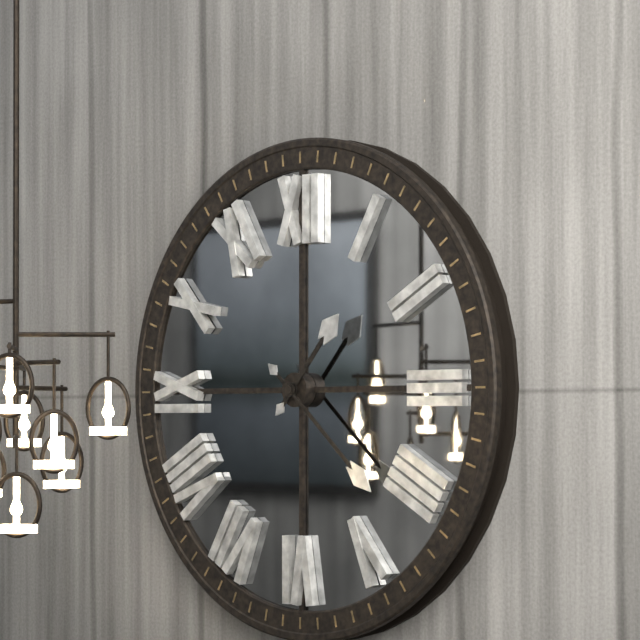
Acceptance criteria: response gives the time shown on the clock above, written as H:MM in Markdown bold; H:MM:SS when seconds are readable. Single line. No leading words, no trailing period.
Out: **1:22**
